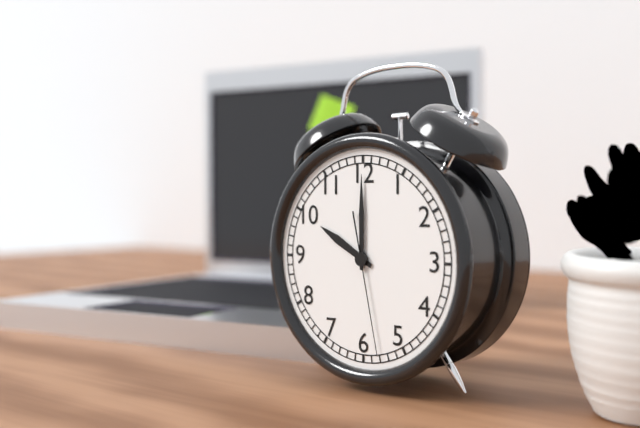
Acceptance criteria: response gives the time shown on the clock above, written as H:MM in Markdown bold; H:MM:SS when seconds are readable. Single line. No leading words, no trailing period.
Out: **10:00:28**
